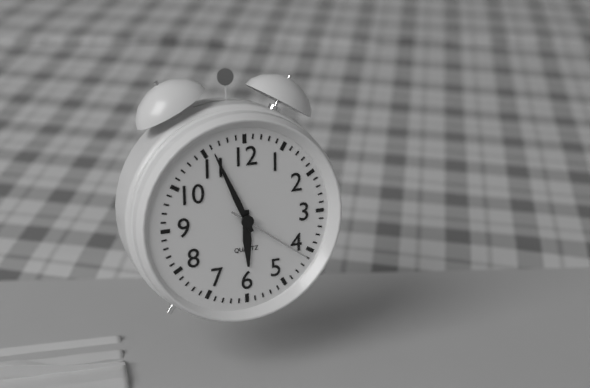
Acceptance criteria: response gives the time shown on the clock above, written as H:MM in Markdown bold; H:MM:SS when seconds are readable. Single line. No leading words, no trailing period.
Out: **5:56:21**
